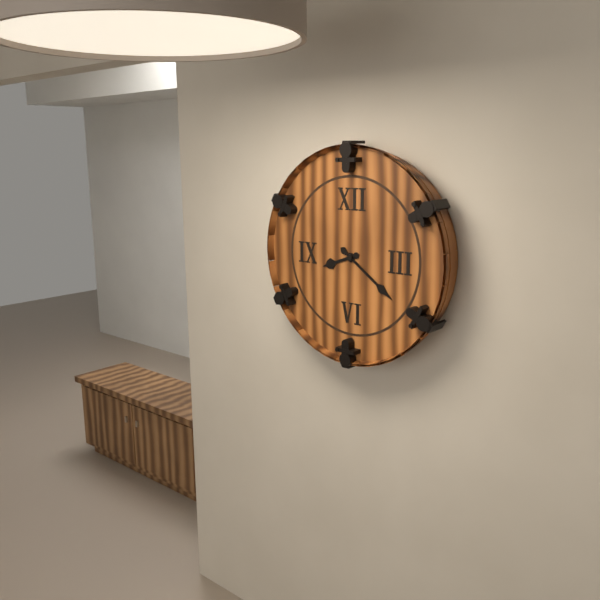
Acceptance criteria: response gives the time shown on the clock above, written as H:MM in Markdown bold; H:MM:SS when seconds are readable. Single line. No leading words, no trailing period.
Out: **8:21**
